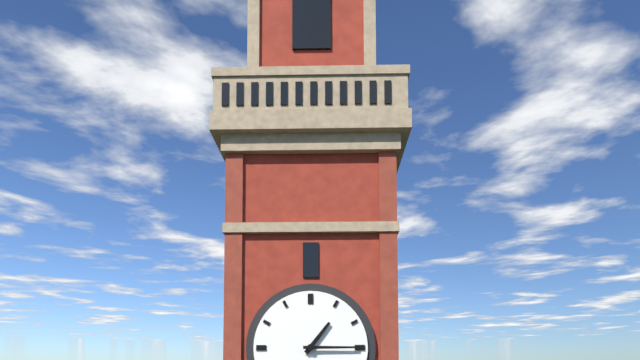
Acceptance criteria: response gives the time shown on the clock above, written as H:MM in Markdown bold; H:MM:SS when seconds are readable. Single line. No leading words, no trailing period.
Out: **1:15**
